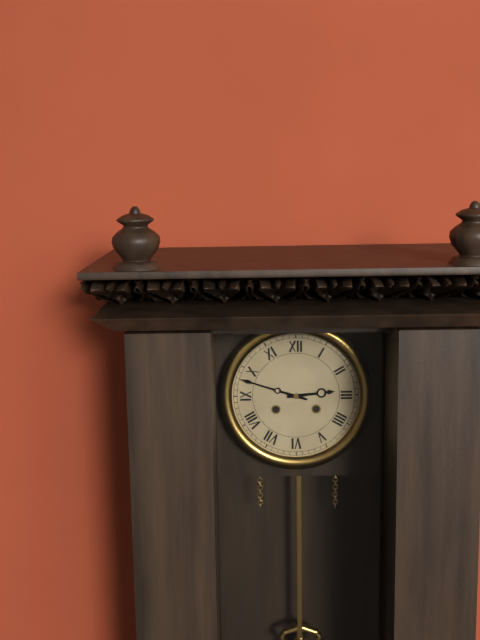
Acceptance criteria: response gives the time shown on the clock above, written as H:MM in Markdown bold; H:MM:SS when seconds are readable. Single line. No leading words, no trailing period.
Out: **2:48**
